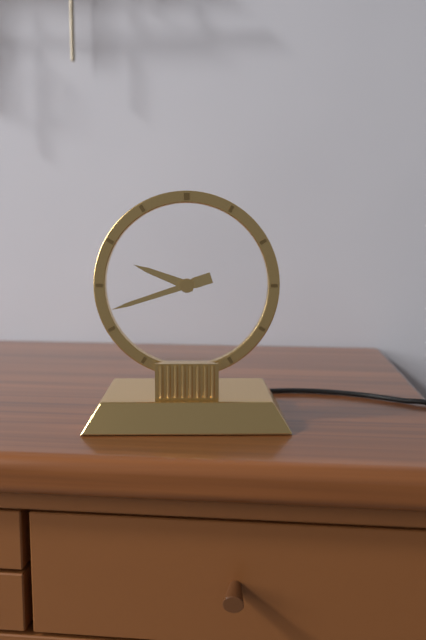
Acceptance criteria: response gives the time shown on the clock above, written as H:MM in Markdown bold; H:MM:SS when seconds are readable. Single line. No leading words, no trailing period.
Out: **9:42**
